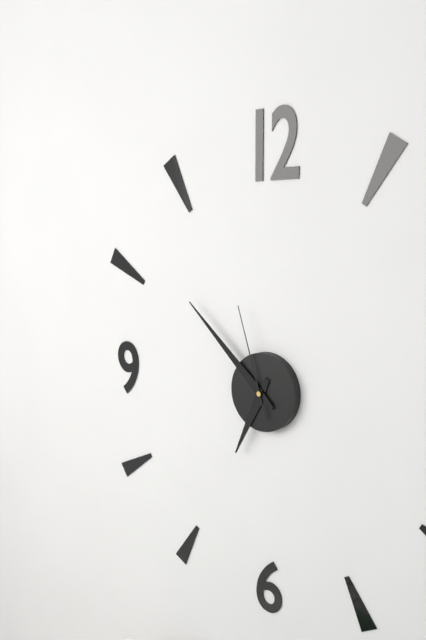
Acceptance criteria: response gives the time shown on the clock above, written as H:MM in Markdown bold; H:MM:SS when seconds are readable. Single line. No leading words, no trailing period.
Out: **6:52:57**
